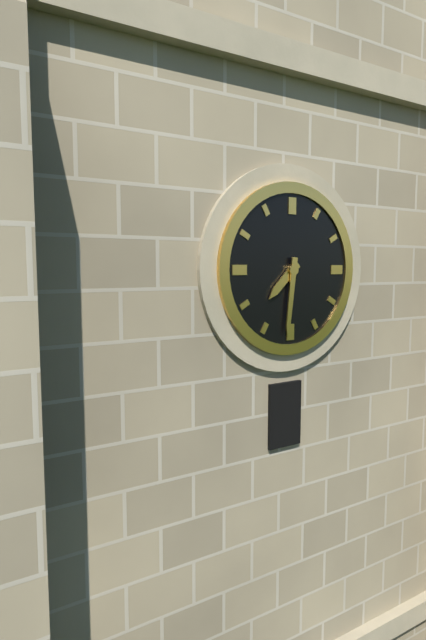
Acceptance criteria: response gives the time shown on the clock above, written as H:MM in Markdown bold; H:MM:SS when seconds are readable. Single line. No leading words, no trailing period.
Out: **7:31**
